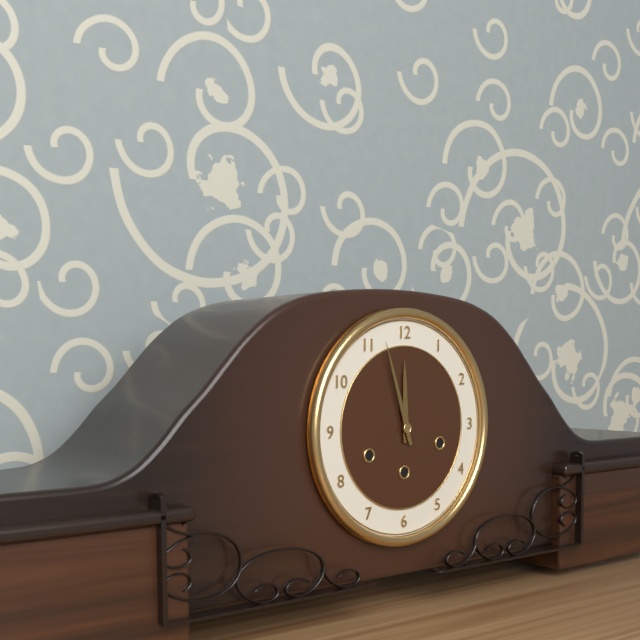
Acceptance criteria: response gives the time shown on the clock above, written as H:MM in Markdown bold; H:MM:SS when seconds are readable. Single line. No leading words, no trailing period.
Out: **11:57**
